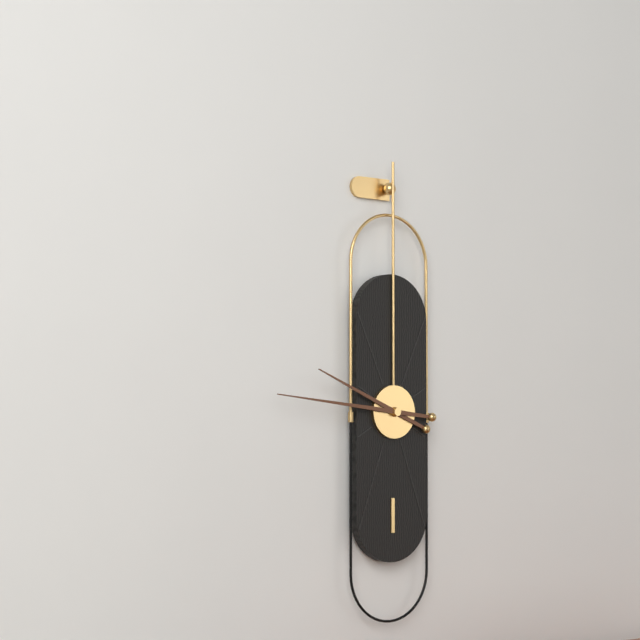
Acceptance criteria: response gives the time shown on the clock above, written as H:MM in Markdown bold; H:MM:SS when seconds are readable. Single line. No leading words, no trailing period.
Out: **9:46**
